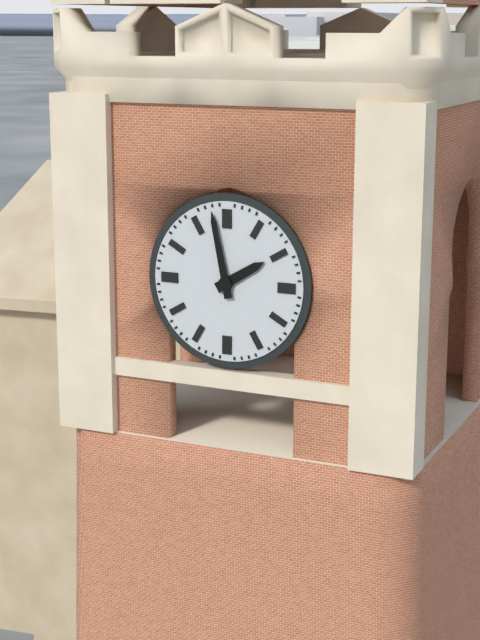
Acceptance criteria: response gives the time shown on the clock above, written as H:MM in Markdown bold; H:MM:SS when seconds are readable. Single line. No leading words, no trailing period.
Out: **1:58**
